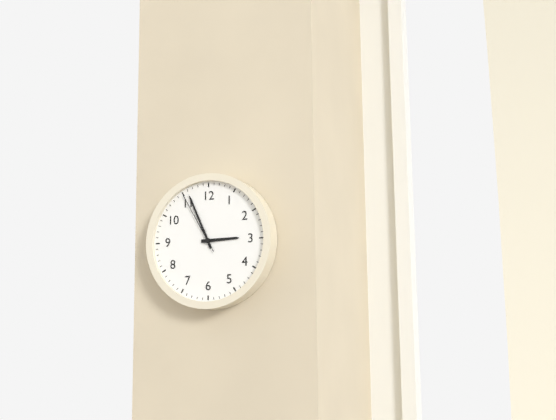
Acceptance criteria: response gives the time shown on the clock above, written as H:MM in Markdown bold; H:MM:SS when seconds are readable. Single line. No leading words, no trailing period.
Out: **2:56:55**
